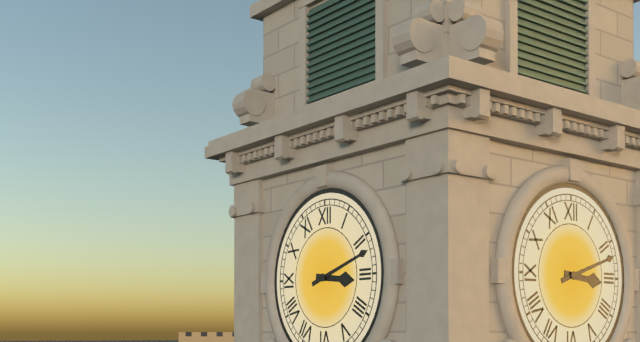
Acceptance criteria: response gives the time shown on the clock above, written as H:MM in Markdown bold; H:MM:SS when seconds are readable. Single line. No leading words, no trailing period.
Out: **3:12**
